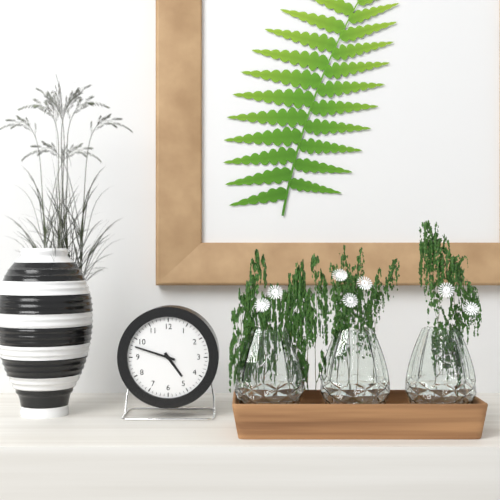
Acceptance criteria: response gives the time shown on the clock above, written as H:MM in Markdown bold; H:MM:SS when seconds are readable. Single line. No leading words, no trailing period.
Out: **4:48**
